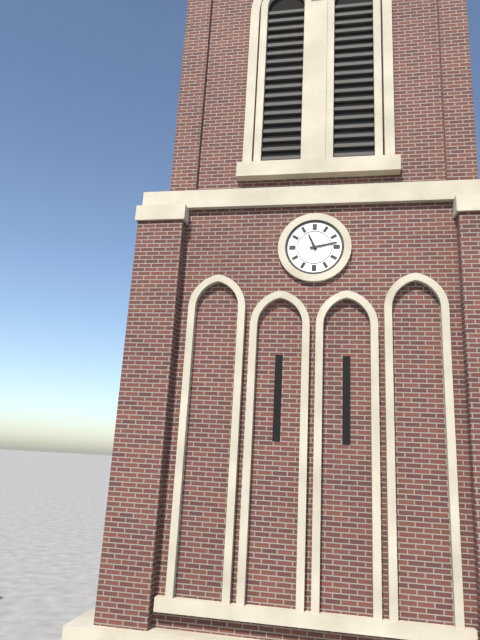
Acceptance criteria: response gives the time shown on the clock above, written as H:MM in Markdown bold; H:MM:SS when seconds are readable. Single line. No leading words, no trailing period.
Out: **11:13**
